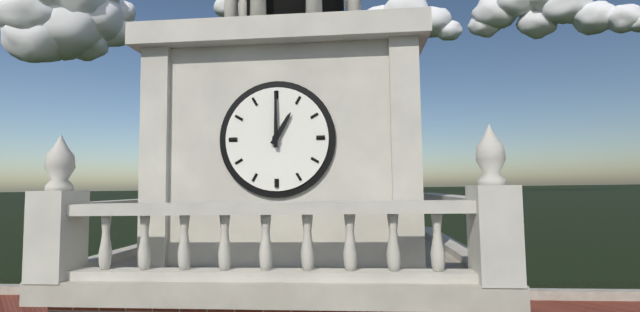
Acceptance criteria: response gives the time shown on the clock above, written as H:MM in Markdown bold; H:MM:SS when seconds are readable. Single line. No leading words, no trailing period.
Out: **1:00**
